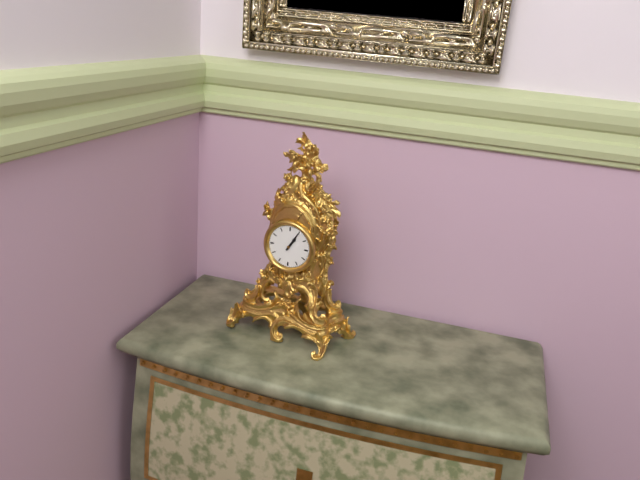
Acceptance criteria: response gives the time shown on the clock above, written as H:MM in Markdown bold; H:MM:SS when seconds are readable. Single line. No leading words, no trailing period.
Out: **1:05**
